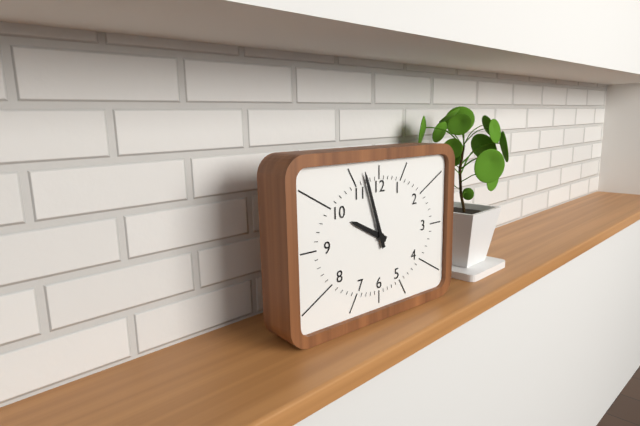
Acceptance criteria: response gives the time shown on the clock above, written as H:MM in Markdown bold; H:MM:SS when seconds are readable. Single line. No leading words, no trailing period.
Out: **9:57**
